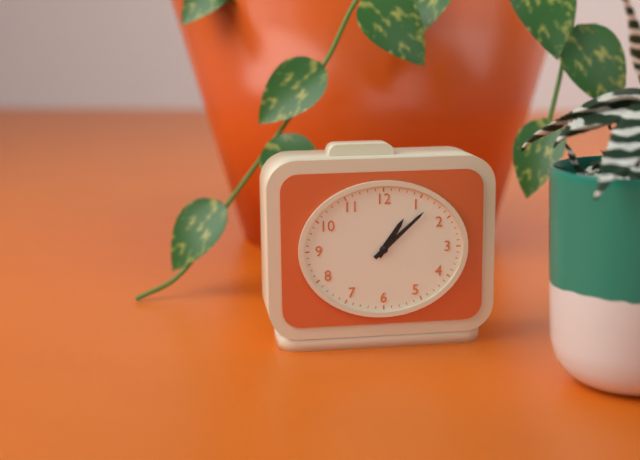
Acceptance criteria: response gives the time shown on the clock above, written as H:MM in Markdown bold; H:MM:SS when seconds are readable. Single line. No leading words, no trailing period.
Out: **1:08**
